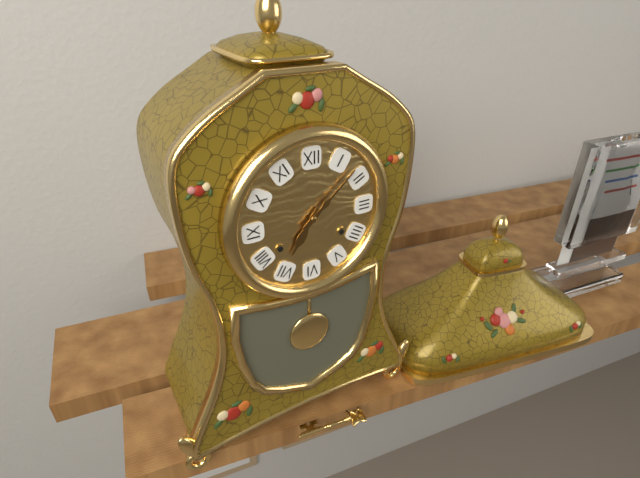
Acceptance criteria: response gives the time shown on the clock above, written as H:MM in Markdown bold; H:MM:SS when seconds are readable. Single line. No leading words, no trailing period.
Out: **7:08**
